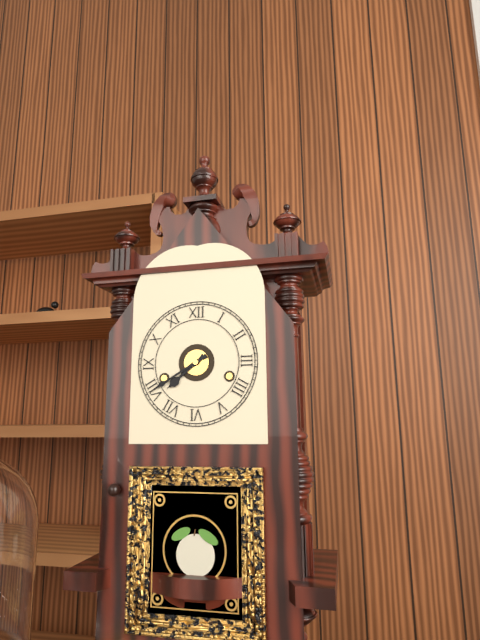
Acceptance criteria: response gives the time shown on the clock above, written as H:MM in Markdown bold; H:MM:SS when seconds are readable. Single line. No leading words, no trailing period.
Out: **7:40**
